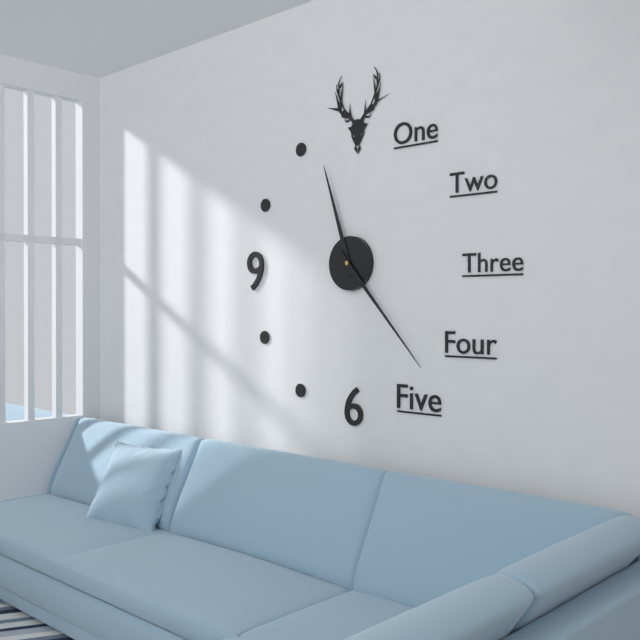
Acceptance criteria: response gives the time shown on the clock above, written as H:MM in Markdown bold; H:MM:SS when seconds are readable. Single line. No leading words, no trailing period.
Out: **11:23**
